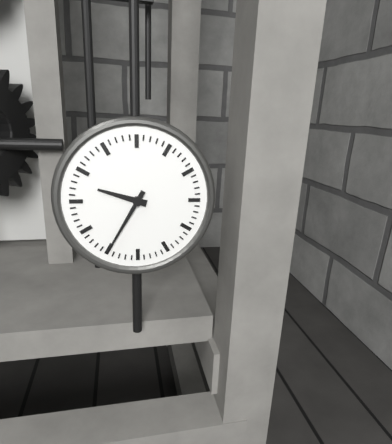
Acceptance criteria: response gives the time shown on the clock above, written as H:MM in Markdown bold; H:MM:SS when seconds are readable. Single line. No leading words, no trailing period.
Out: **9:35**
